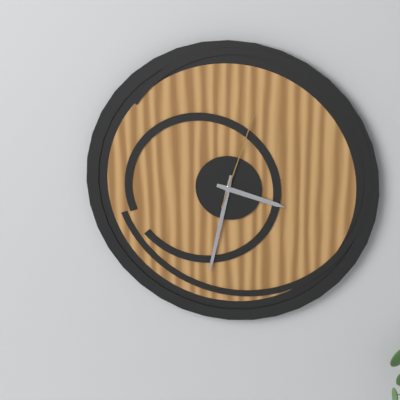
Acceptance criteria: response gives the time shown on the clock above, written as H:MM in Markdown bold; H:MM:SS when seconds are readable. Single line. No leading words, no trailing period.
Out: **3:32:03**
